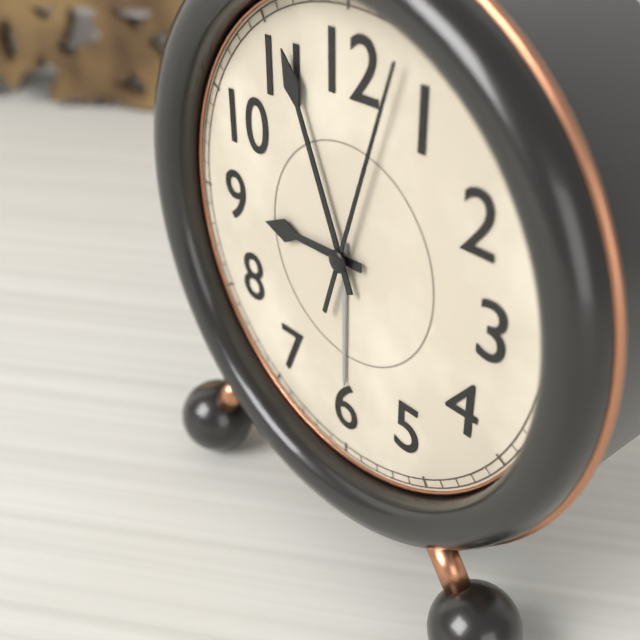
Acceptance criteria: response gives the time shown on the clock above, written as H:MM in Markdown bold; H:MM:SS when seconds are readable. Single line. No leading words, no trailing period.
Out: **8:56:03**
